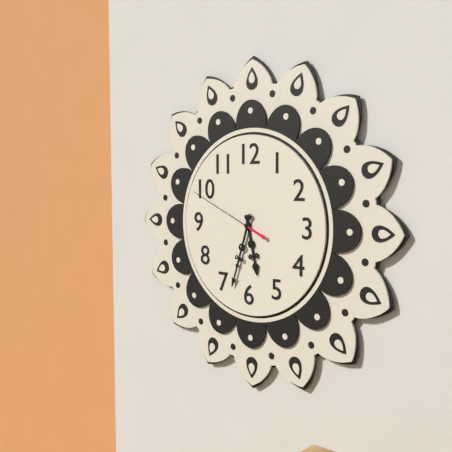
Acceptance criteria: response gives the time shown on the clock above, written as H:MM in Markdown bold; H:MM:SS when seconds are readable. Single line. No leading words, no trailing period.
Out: **5:33:49**
